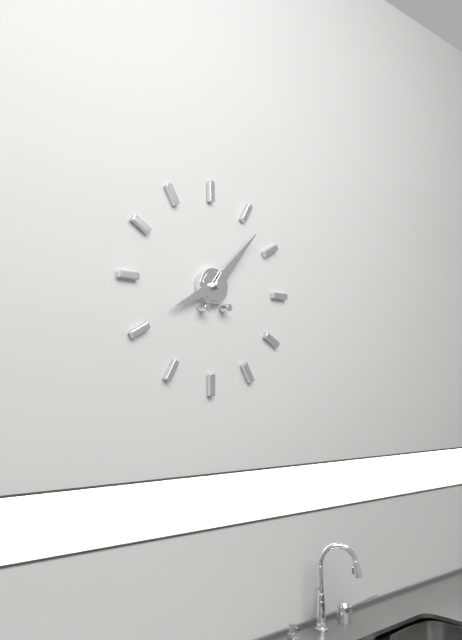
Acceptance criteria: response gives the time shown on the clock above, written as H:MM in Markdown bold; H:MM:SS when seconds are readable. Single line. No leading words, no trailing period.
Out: **8:07**
